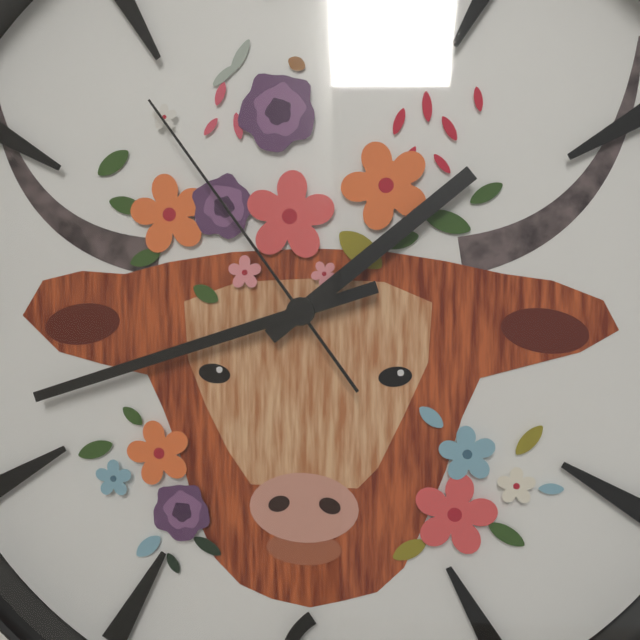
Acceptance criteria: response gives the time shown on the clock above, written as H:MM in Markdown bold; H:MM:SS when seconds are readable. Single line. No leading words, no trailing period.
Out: **1:42:54**
